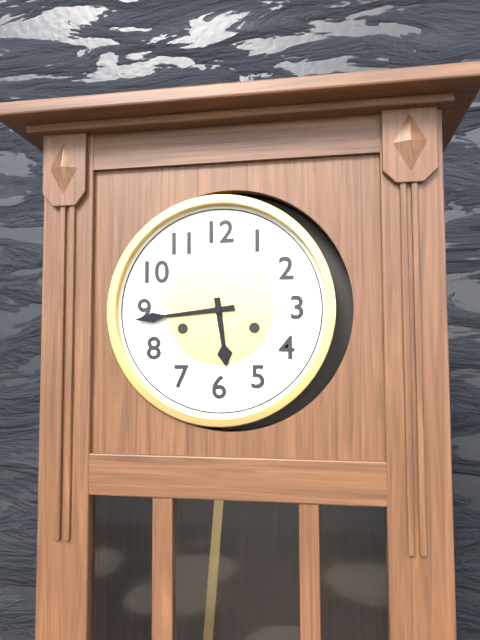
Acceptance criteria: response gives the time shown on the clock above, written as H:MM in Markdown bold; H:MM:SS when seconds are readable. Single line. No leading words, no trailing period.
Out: **5:44**
